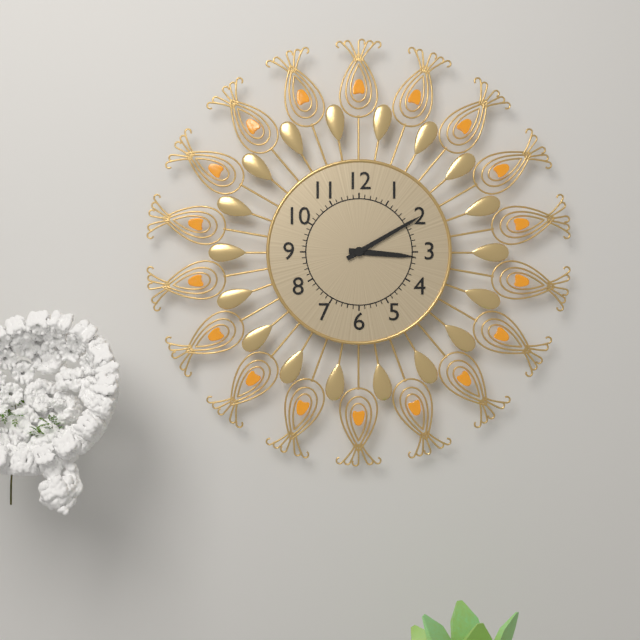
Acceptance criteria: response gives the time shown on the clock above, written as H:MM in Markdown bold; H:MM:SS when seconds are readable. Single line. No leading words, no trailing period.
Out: **3:10**
